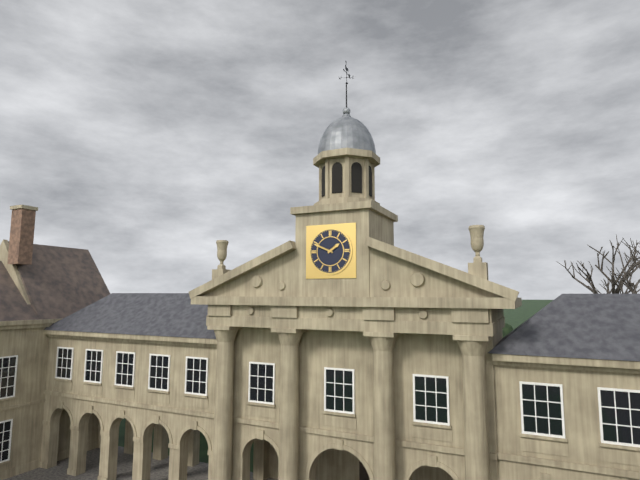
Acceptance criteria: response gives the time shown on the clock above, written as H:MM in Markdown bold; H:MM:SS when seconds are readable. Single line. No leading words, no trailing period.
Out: **1:49**
